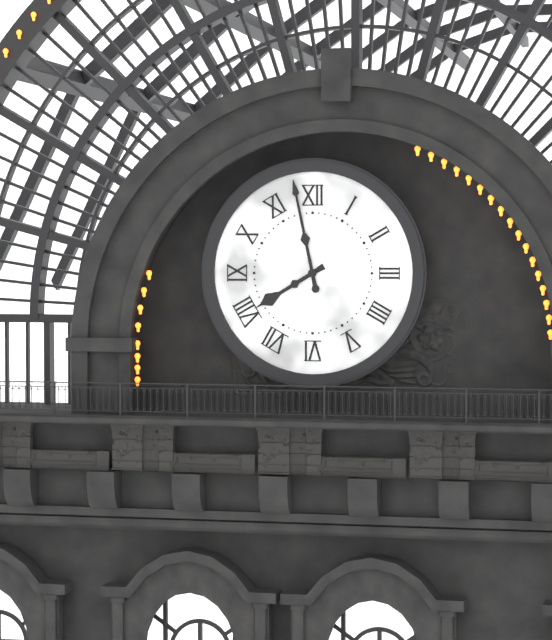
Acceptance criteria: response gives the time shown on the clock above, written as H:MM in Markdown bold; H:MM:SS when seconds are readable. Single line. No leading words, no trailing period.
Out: **7:58**
